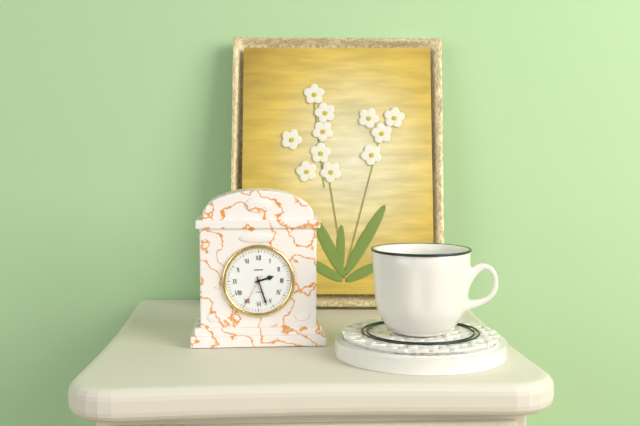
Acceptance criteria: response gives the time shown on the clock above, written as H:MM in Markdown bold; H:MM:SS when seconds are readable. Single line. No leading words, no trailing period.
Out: **2:27**
